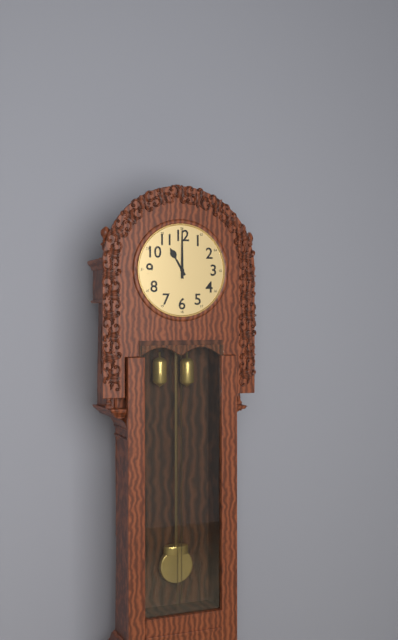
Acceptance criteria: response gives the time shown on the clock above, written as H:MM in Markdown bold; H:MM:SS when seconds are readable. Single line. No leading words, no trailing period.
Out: **11:00**
